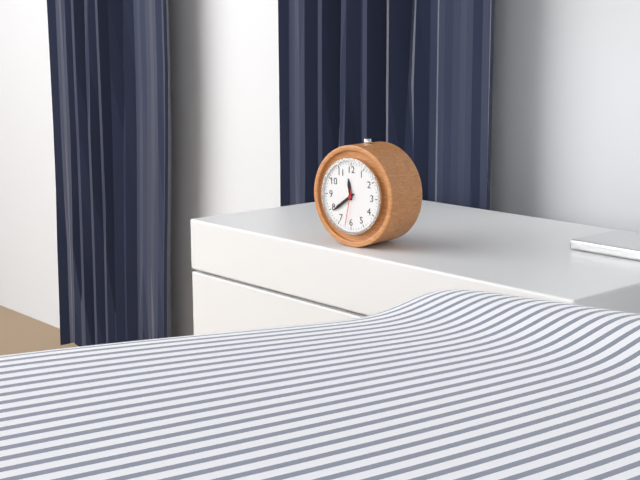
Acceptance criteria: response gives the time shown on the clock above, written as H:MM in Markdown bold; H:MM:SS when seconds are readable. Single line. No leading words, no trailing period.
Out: **11:39**
